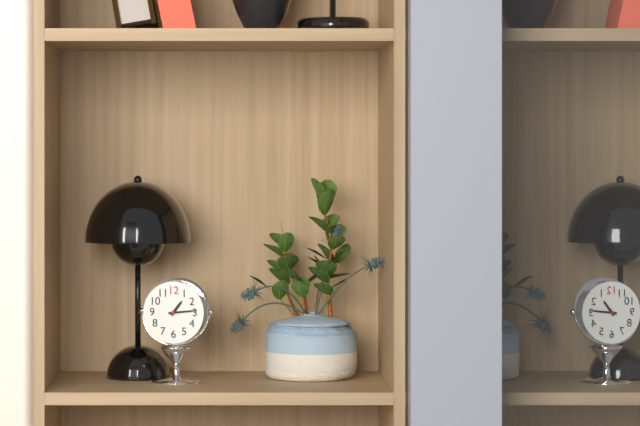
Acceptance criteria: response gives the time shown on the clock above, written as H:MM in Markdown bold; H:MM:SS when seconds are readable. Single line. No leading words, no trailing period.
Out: **1:14**
